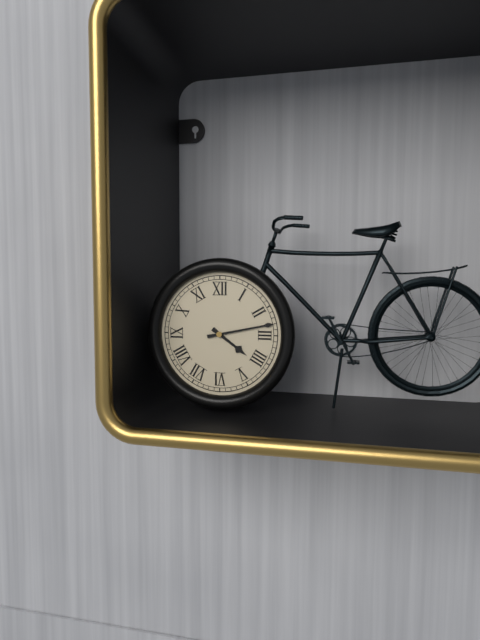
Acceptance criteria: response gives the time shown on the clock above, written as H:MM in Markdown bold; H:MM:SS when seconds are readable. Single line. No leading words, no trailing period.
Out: **4:13**
